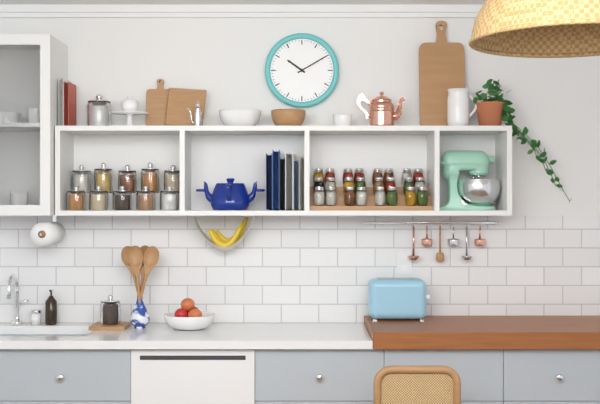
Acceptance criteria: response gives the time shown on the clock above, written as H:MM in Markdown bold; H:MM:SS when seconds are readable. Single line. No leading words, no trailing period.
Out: **10:10**
